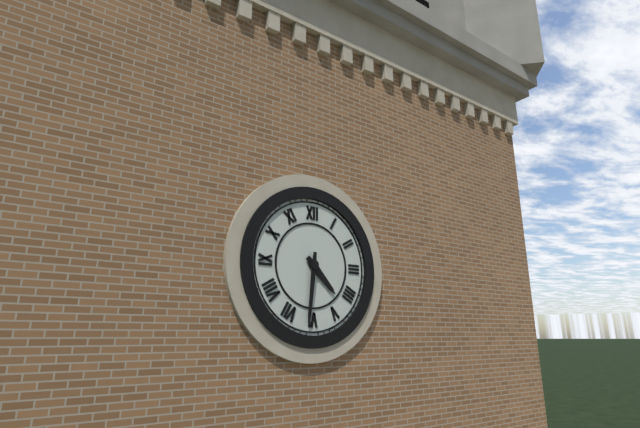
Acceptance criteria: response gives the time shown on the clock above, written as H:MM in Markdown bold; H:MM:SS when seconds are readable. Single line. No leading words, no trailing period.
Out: **4:31**
